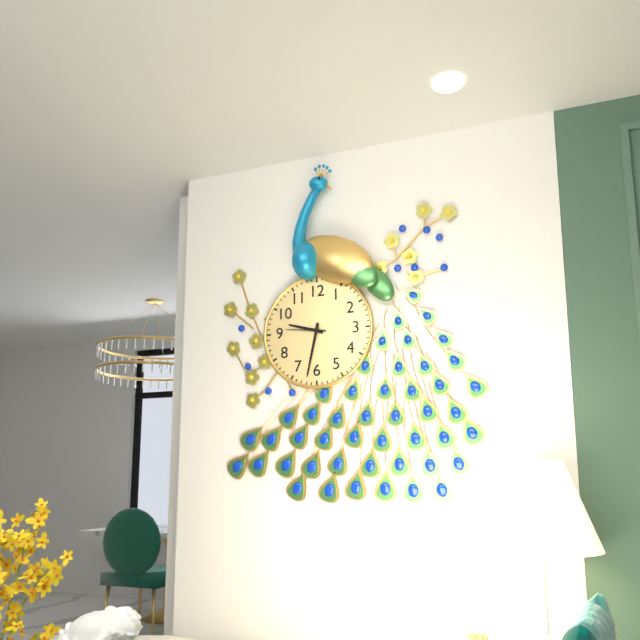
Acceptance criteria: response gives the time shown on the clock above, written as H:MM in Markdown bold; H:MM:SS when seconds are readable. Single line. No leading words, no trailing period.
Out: **9:32**
